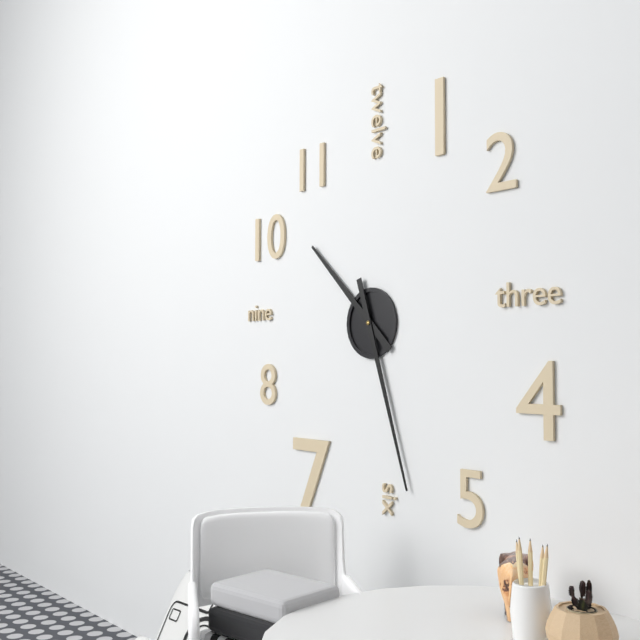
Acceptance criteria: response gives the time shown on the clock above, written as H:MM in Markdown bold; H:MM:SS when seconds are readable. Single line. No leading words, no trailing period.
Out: **10:27**
